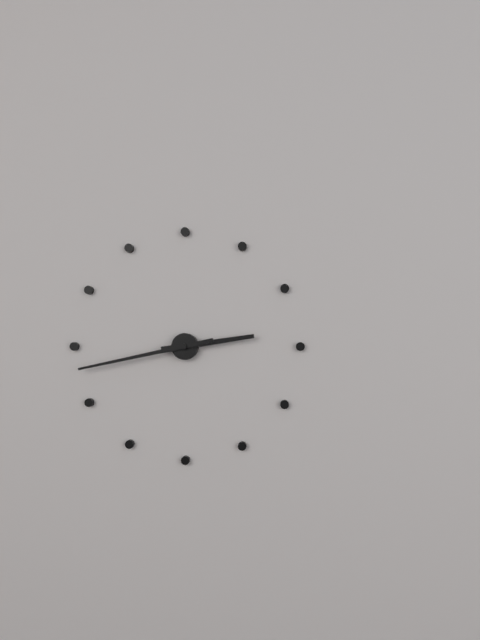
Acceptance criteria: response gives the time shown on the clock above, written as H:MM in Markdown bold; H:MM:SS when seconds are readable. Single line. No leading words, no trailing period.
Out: **2:43**
